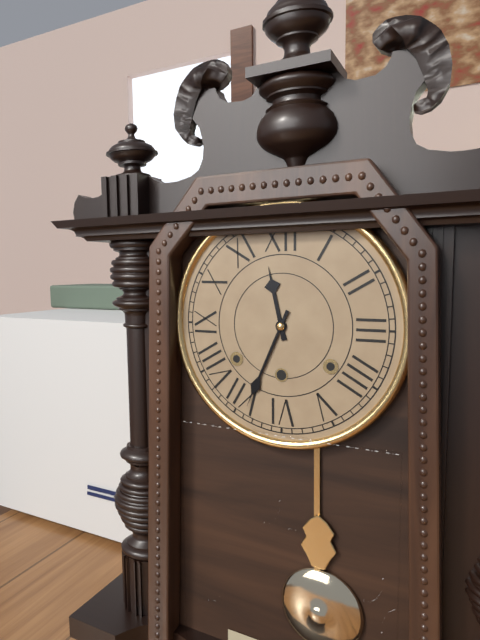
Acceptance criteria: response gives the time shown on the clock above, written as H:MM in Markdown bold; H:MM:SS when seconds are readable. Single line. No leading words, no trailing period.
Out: **11:34**
